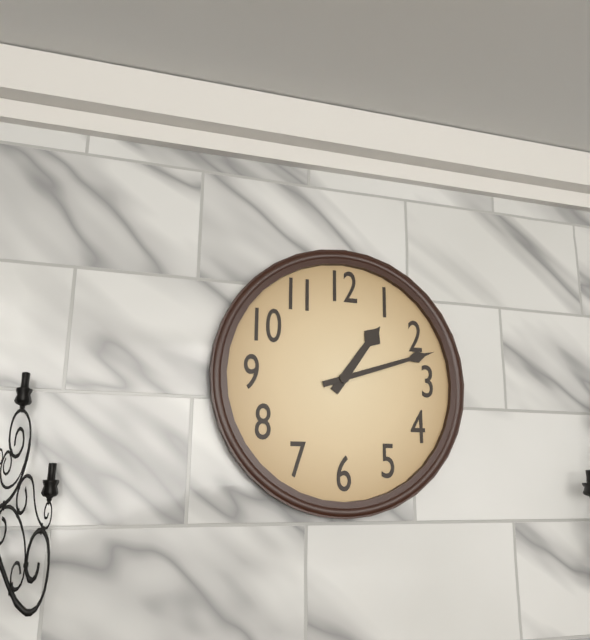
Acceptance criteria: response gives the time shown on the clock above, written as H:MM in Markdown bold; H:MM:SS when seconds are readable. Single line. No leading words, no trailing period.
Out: **1:12**
